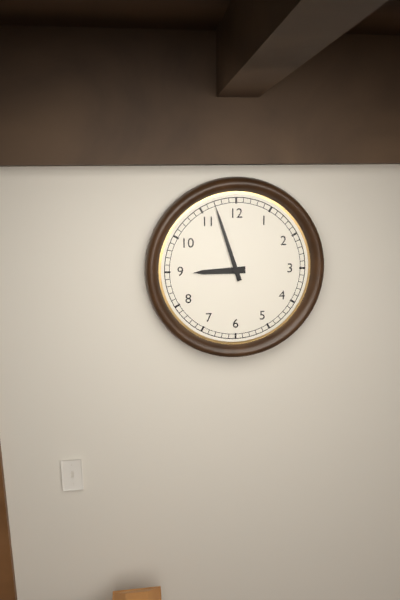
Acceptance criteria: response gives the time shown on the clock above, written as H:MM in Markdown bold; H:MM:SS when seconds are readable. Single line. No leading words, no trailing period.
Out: **8:57**
